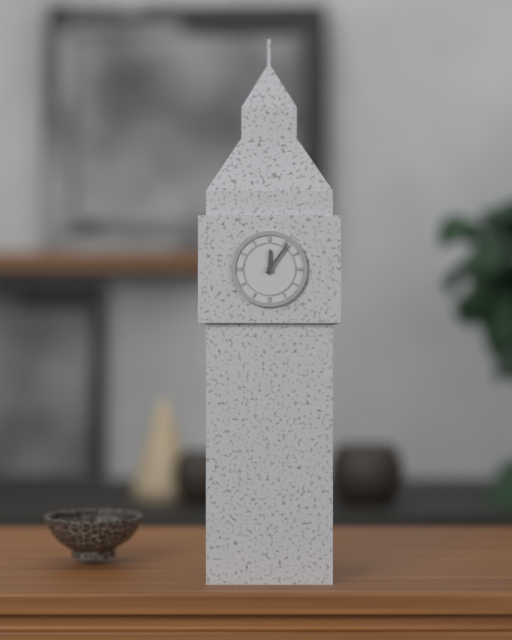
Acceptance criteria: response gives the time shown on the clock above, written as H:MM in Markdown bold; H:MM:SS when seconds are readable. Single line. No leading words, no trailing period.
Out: **12:06**
